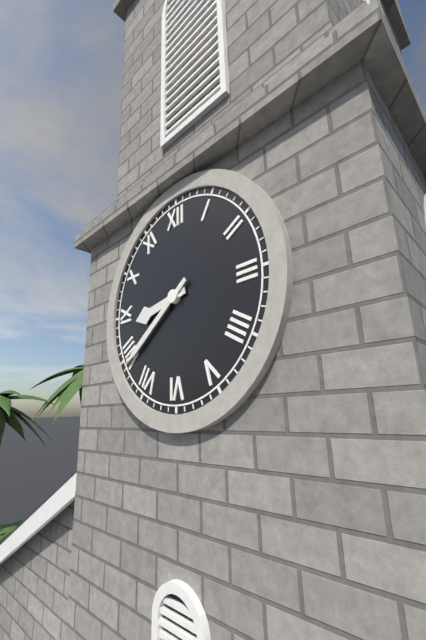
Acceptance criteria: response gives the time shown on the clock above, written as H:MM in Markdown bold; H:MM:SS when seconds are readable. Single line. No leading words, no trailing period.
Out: **8:39**
